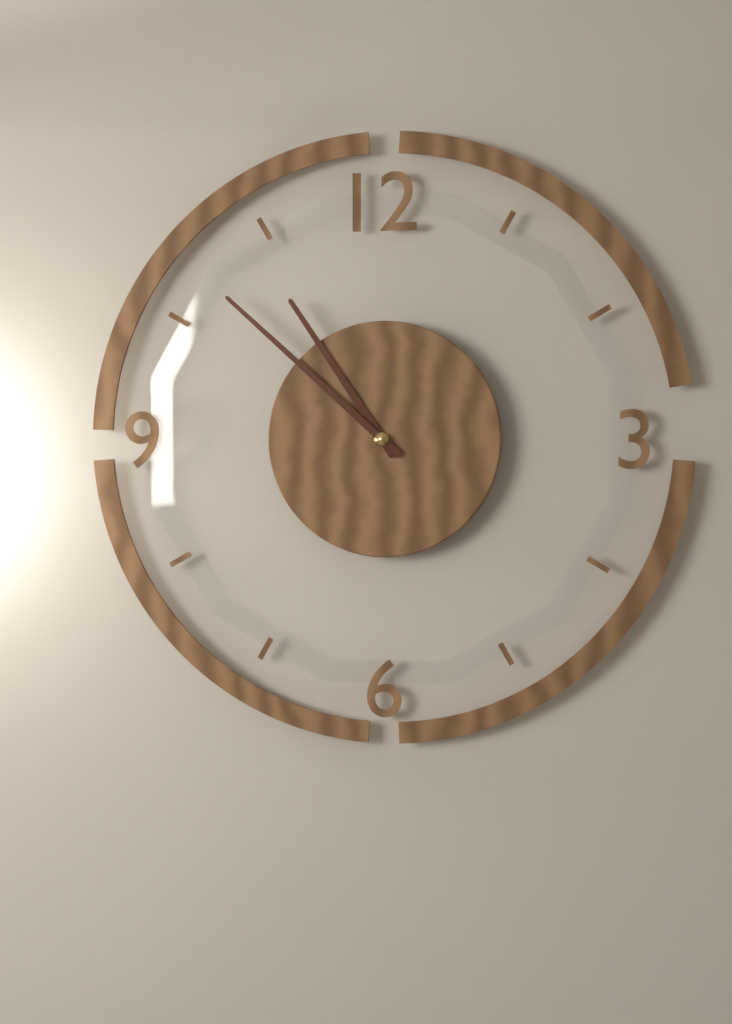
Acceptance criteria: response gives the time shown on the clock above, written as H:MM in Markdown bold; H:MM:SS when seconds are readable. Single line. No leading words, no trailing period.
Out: **10:52**
